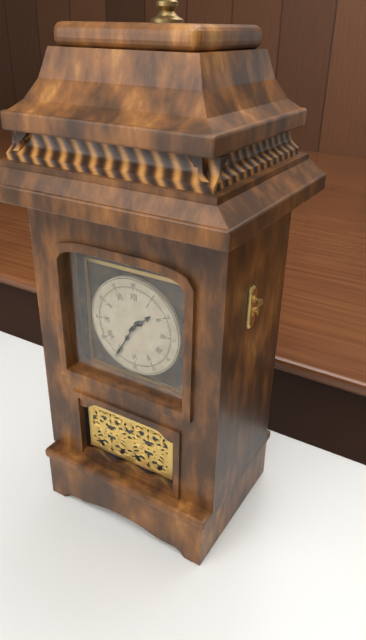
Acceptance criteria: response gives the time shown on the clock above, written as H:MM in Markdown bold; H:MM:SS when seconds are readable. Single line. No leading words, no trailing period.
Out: **1:35**
